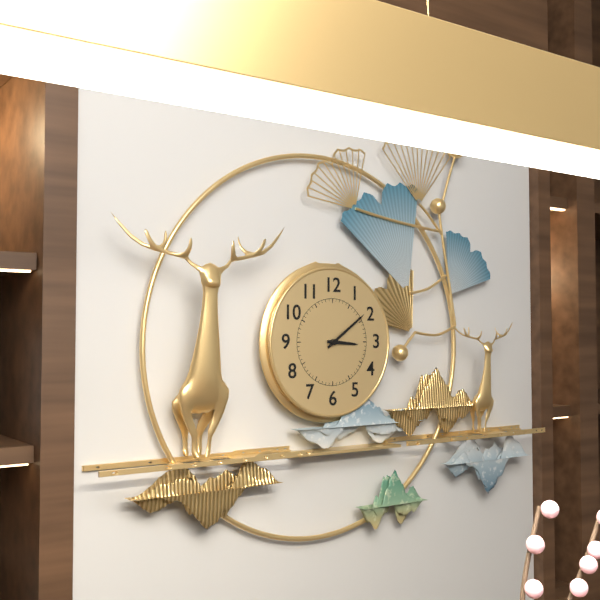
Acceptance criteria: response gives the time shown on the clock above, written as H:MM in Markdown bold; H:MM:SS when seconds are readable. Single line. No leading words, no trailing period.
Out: **3:09**
